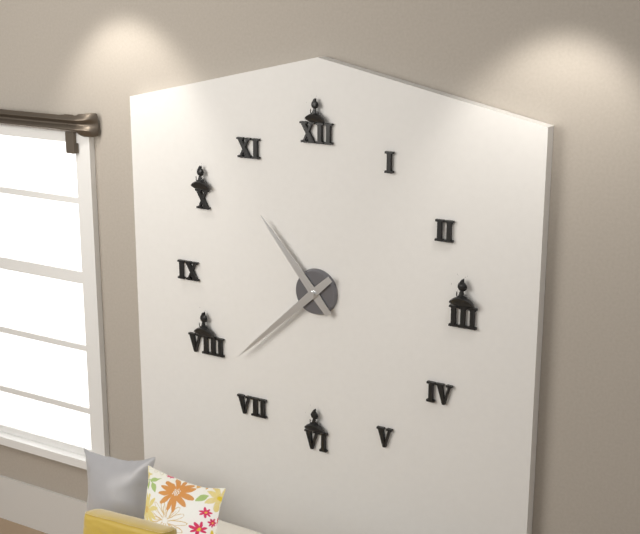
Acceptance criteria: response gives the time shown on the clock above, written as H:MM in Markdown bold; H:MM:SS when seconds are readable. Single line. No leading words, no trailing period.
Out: **10:38**
